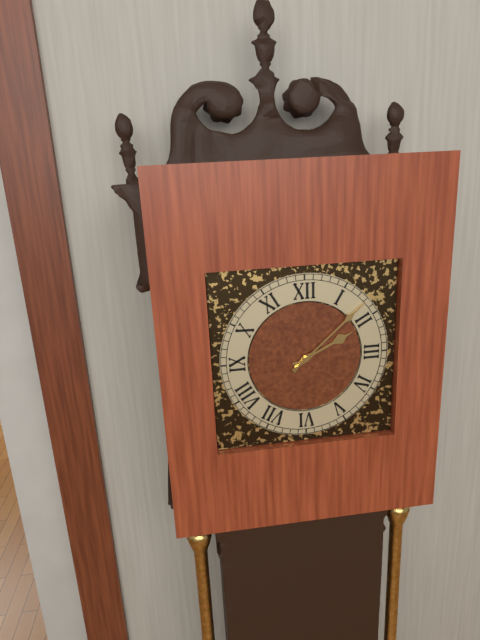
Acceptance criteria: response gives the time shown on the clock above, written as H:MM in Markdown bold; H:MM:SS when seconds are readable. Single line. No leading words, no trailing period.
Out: **2:08**
